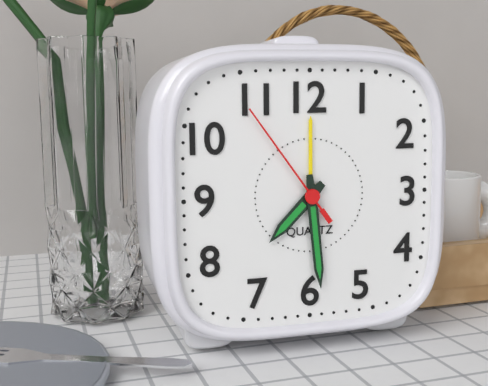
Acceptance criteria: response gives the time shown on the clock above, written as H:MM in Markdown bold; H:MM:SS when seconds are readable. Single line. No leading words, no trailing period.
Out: **7:29:54**
